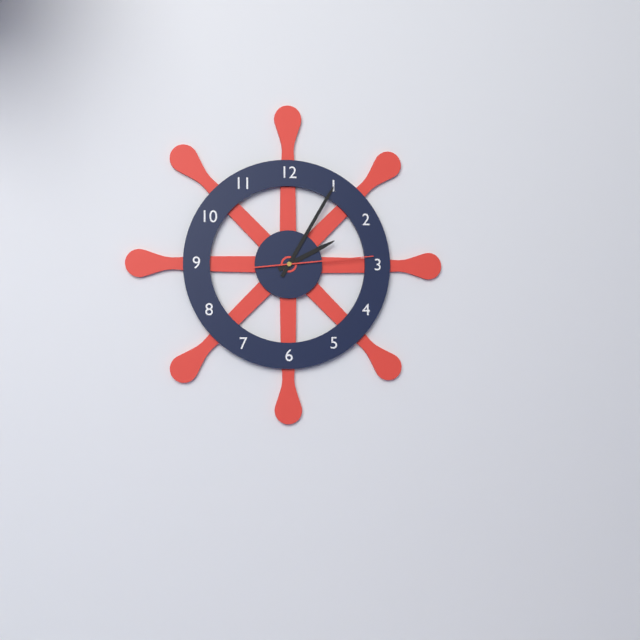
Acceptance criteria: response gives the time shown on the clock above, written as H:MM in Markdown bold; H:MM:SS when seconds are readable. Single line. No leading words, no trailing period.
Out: **2:05:14**
